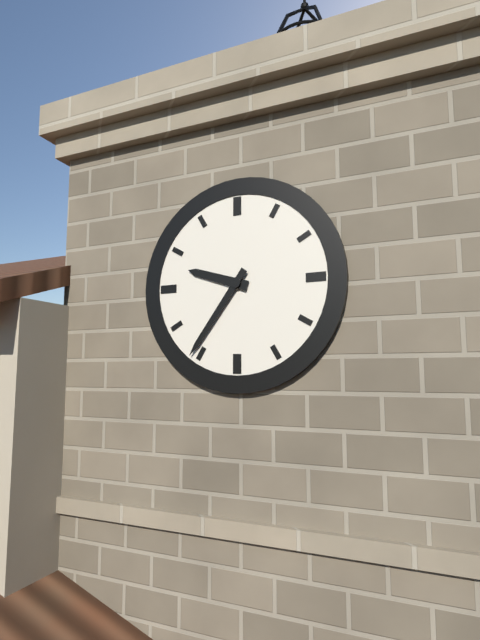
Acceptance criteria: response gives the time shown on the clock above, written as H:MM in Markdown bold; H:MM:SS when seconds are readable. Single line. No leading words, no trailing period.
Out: **9:36**
